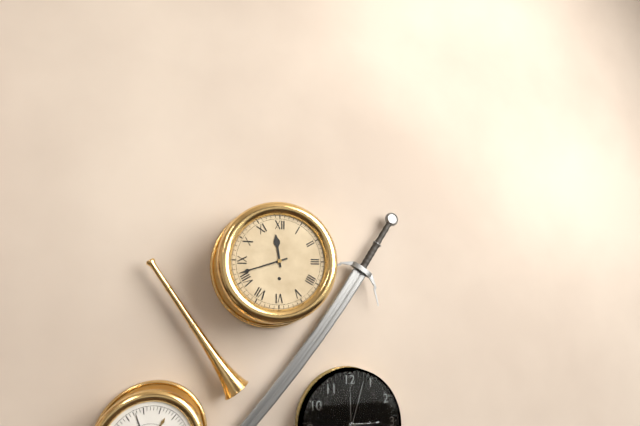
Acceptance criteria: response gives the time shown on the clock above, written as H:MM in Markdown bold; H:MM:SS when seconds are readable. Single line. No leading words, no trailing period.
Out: **11:42**
